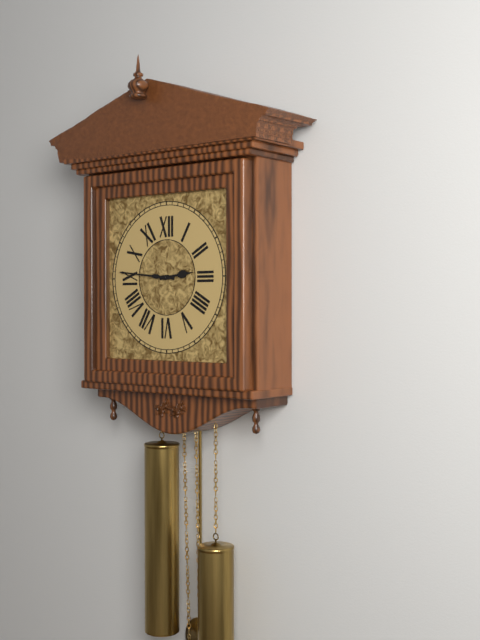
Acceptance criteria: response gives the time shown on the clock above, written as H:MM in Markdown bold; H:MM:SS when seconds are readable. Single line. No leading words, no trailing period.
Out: **2:46**
